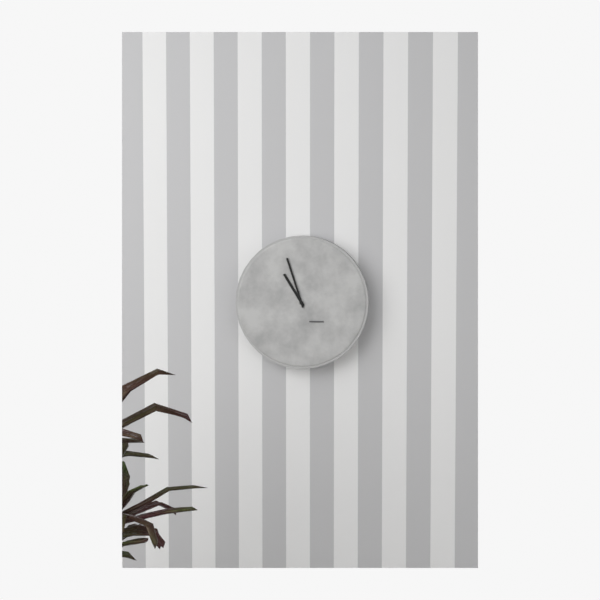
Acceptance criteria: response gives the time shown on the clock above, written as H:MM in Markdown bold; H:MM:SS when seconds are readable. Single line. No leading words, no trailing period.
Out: **10:57**
